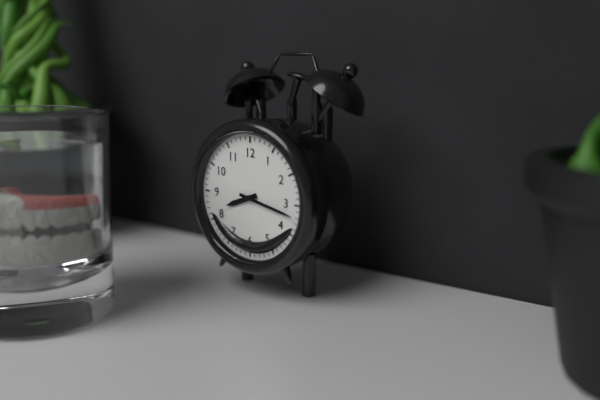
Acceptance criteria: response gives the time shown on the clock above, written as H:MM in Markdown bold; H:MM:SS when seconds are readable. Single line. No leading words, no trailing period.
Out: **8:17**
